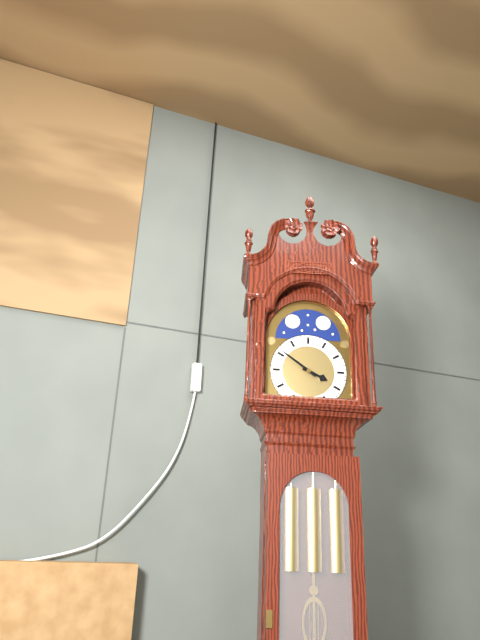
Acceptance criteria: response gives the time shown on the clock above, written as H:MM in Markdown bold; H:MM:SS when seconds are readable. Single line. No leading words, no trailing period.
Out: **3:51**
